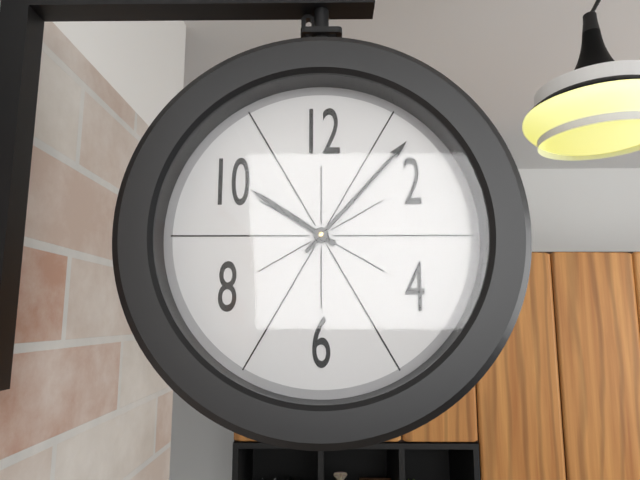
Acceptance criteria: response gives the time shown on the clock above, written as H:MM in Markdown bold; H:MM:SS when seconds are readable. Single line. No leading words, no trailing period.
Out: **10:07**
